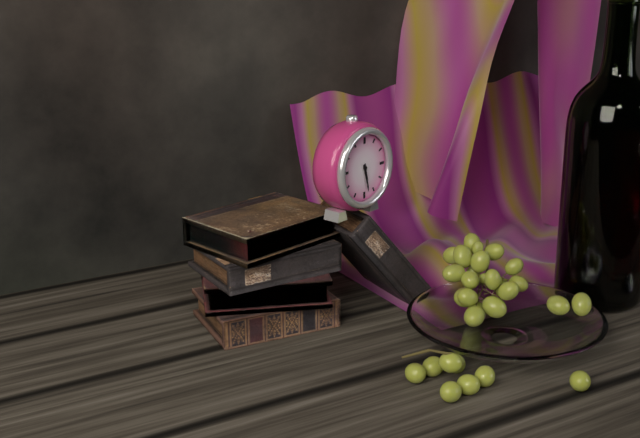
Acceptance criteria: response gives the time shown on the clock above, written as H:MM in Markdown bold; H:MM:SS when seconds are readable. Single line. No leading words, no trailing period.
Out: **5:28**
